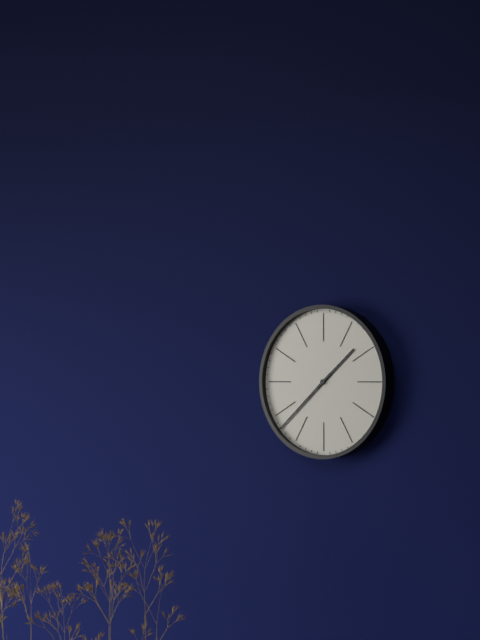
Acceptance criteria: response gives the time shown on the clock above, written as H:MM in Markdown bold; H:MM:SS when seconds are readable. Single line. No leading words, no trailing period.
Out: **1:38**
